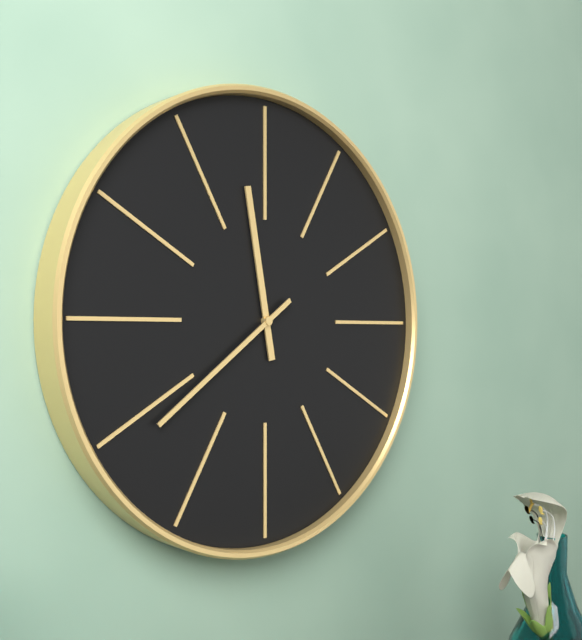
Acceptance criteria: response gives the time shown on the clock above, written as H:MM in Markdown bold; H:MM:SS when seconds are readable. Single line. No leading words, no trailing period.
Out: **11:39**
